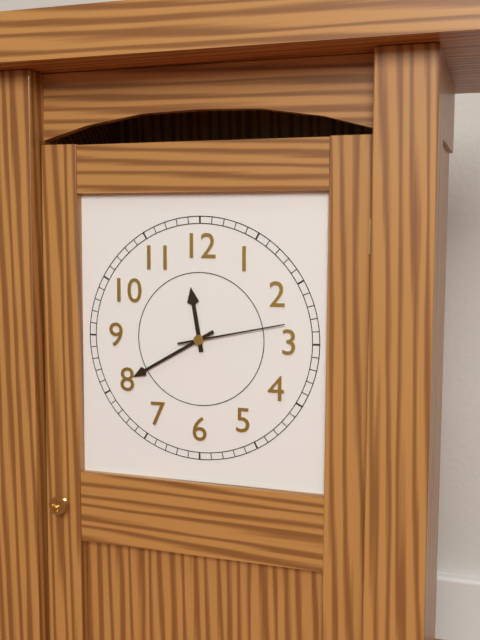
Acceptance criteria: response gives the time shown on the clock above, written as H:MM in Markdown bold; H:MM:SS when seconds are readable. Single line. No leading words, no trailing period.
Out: **11:40:13**
